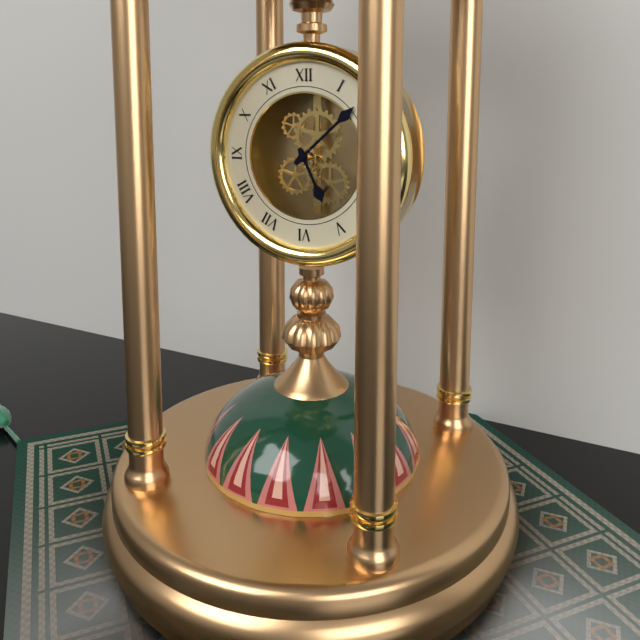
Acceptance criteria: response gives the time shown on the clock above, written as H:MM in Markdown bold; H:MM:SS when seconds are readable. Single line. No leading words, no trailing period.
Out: **5:08**
